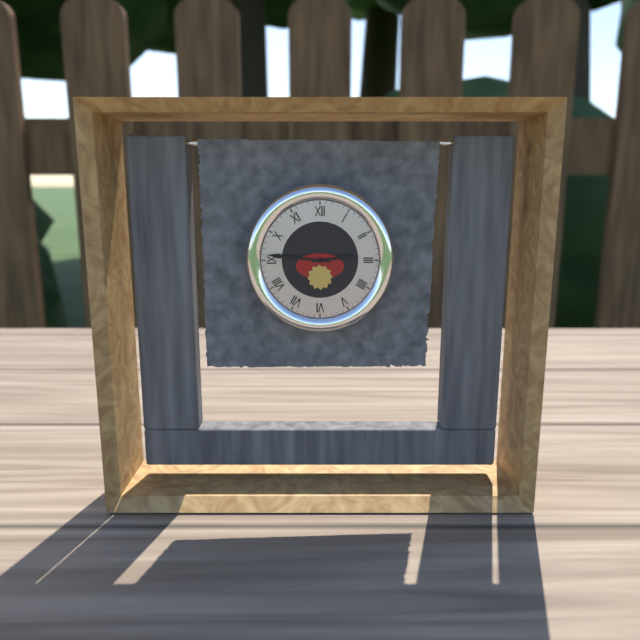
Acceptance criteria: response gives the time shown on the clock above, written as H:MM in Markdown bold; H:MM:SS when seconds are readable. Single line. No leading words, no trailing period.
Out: **2:46**
